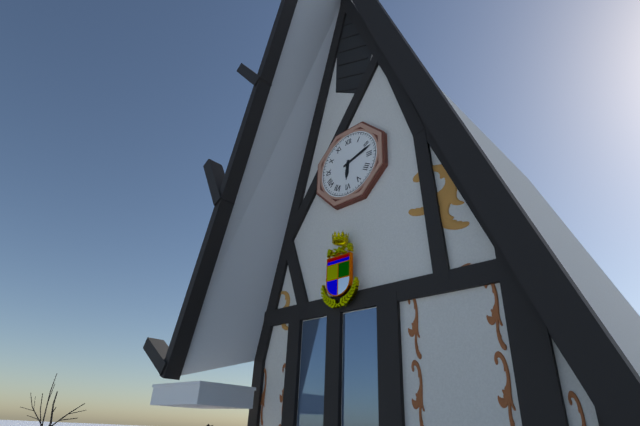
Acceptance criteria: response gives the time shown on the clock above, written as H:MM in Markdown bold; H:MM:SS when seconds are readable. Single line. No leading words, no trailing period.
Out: **6:12**
